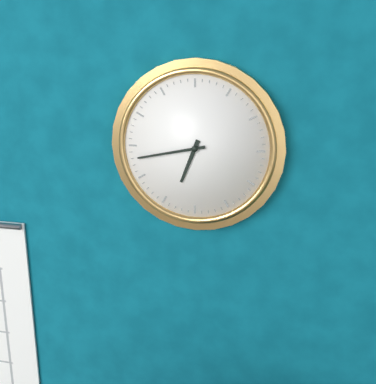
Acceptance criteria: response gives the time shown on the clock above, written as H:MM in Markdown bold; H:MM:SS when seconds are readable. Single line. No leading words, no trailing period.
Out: **6:43**
